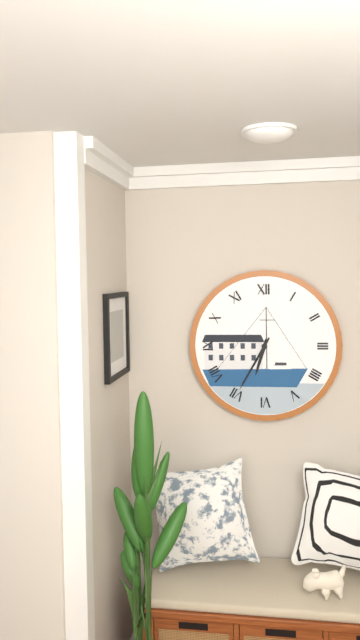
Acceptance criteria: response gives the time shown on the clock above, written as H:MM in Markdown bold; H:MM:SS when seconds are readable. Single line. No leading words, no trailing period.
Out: **6:35**
